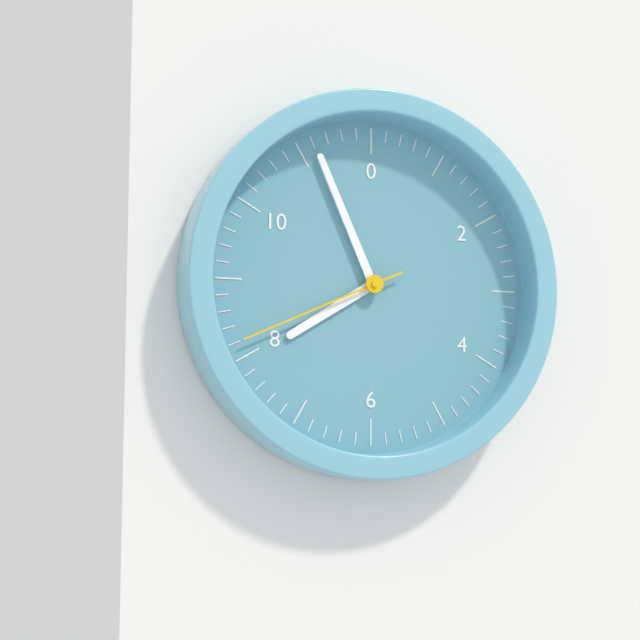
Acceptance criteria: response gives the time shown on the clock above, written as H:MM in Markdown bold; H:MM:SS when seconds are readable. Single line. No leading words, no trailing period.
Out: **7:56:41**
